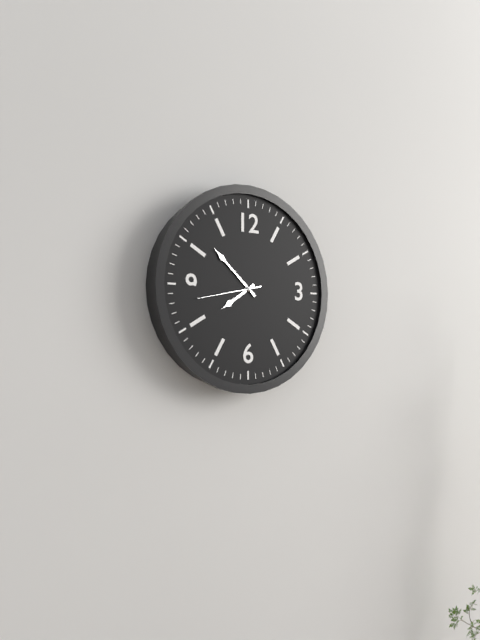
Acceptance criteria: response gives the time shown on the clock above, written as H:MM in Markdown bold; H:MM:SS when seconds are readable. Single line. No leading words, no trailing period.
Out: **7:52:43**
